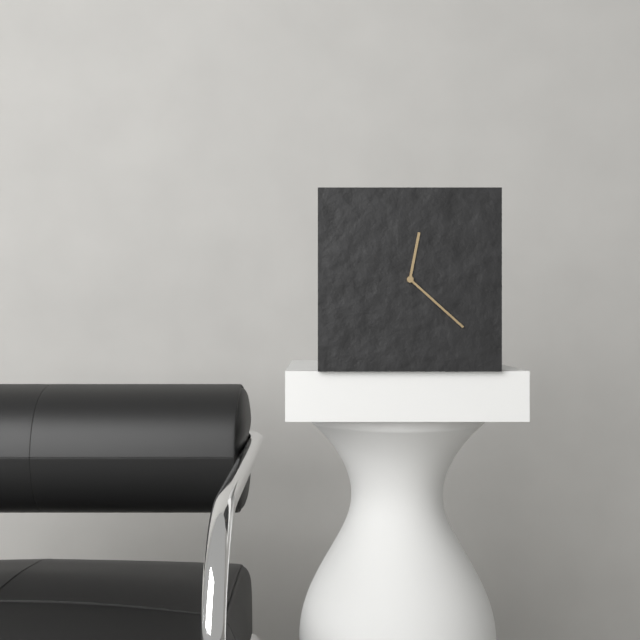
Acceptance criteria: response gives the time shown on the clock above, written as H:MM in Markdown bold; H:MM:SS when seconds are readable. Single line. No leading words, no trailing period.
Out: **12:22**
